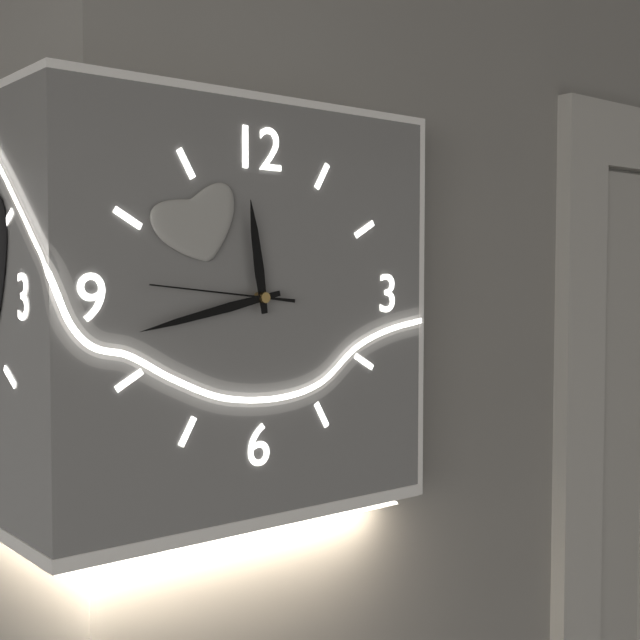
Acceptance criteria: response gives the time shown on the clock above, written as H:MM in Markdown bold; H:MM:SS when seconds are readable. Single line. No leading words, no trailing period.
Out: **11:43:46**
